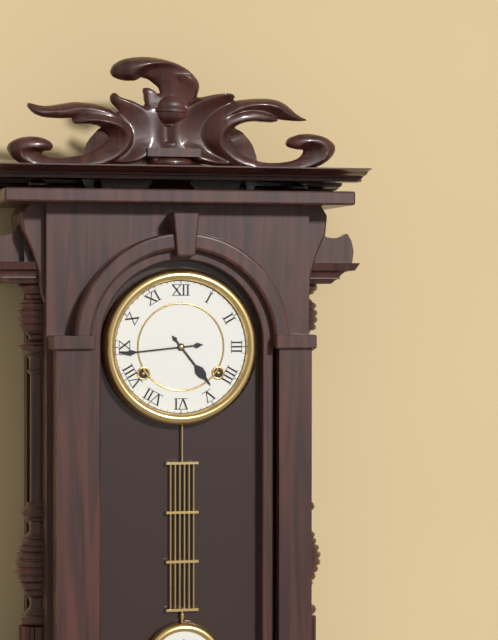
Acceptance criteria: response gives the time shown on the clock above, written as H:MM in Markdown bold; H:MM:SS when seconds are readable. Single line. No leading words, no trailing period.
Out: **4:44**
